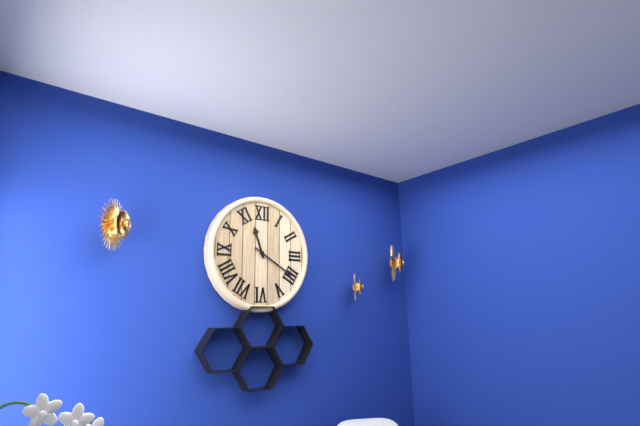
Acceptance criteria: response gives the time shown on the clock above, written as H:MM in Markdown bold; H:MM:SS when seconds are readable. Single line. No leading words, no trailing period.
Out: **11:20**
